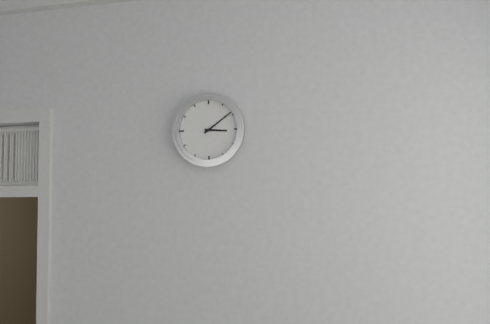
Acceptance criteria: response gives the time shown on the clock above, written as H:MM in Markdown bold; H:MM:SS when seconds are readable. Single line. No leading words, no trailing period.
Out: **3:09**
